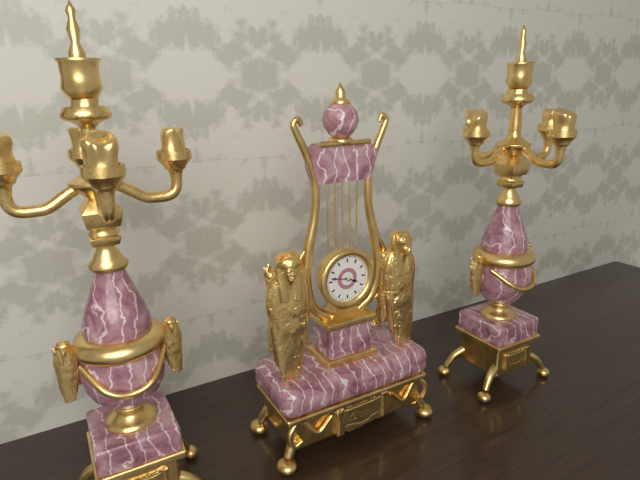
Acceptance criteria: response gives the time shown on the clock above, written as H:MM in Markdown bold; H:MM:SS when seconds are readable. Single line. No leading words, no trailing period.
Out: **3:47**
